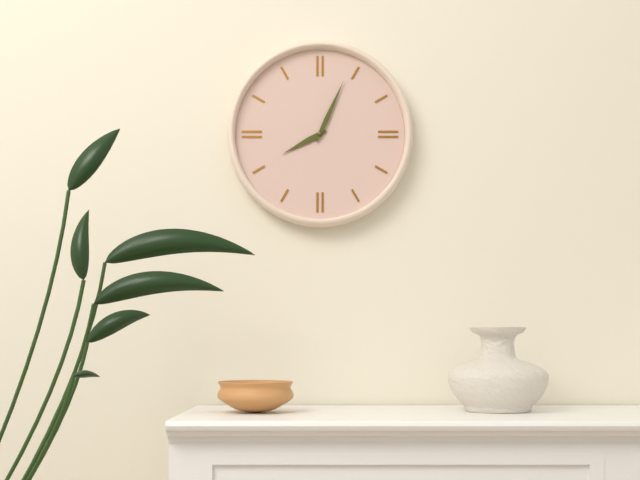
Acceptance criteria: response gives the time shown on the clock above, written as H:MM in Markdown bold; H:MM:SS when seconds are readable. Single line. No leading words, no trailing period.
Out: **8:04**
